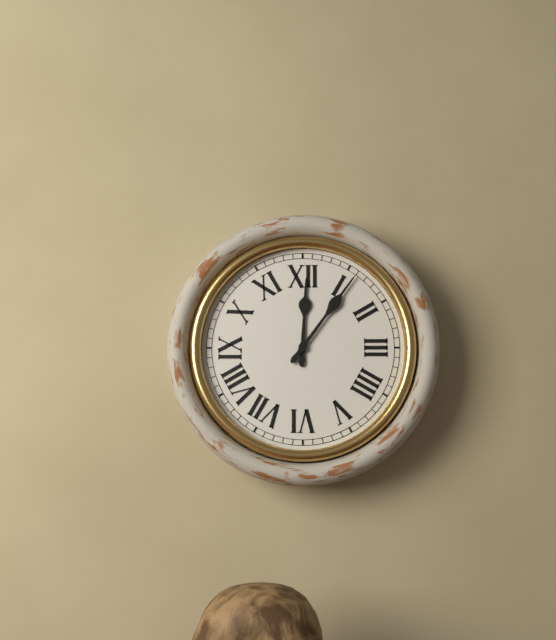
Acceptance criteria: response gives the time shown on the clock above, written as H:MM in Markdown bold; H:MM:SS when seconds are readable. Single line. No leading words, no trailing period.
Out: **12:06**
